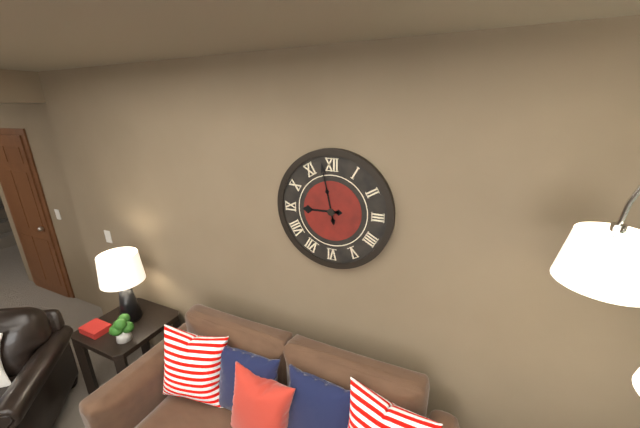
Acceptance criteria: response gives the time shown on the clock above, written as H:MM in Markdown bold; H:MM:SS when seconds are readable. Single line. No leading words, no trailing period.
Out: **8:58**
